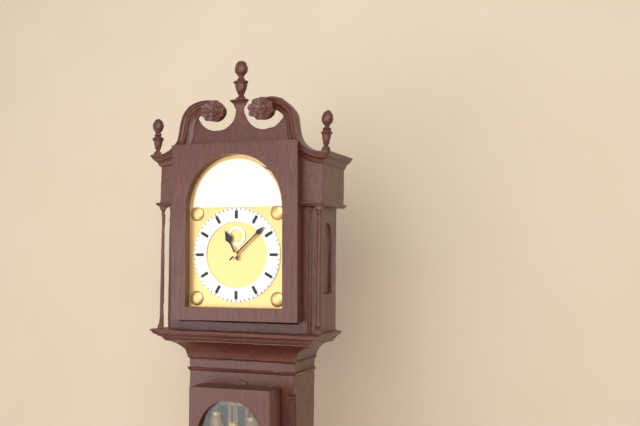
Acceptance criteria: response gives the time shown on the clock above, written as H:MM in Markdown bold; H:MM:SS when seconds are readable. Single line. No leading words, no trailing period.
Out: **11:08**
